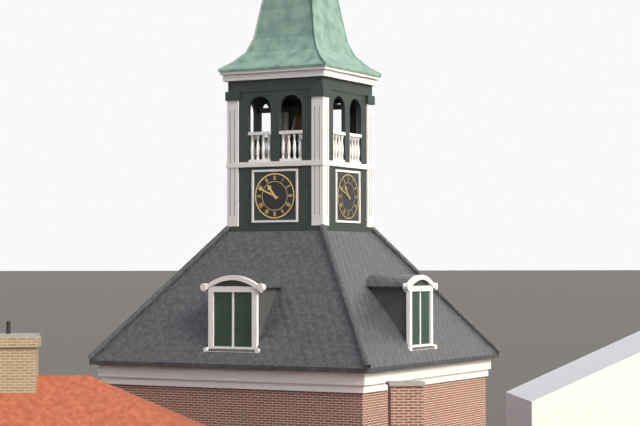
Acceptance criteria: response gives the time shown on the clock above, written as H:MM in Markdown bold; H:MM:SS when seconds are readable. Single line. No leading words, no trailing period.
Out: **10:49**
